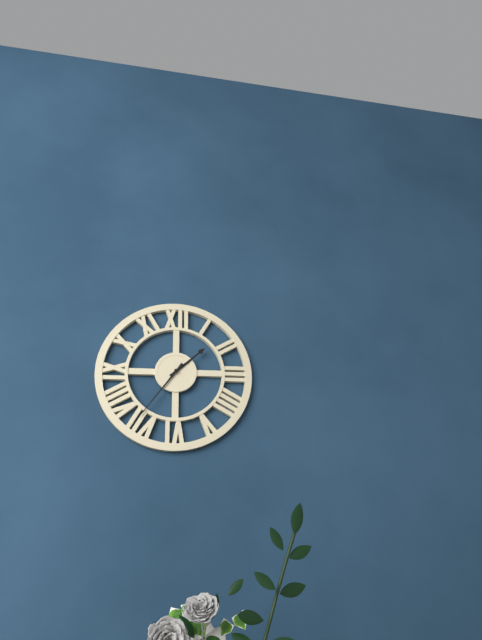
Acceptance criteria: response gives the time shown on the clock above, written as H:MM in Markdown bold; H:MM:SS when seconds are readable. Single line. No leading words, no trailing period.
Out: **1:36**
